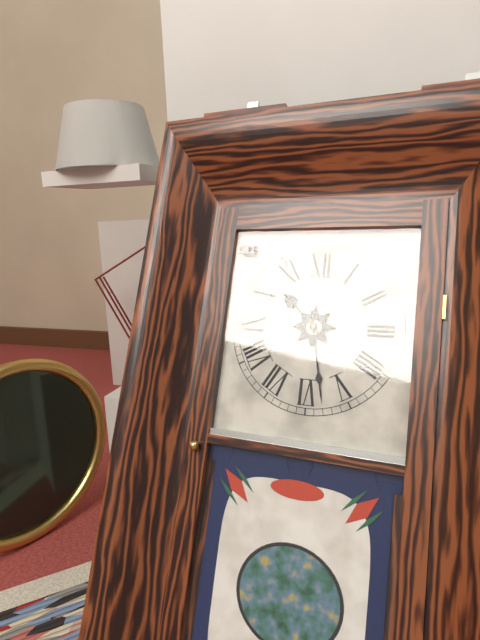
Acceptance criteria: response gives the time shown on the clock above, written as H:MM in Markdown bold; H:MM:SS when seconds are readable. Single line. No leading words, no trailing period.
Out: **10:28**
